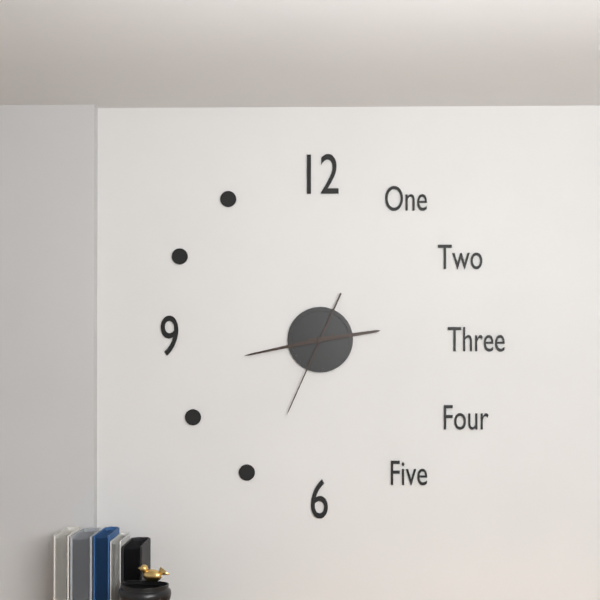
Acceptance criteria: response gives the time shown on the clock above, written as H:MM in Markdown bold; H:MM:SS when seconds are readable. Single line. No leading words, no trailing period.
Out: **2:43:34**
